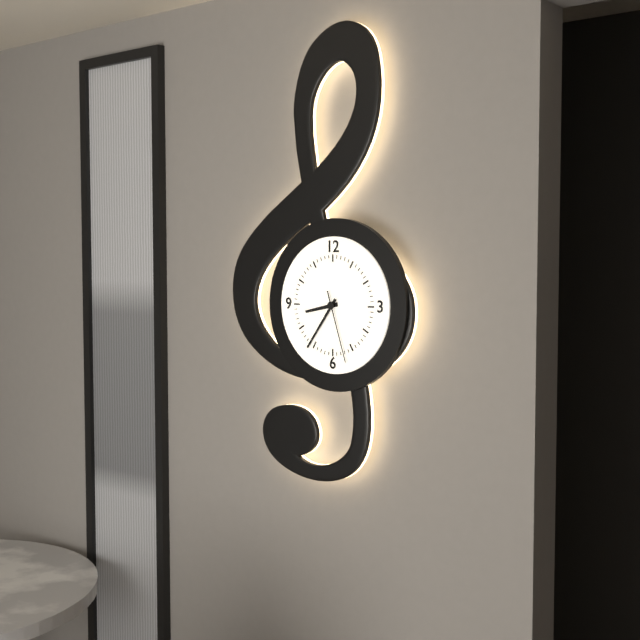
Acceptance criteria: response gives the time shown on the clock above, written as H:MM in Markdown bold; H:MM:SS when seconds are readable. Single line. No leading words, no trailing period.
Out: **8:36:27**
